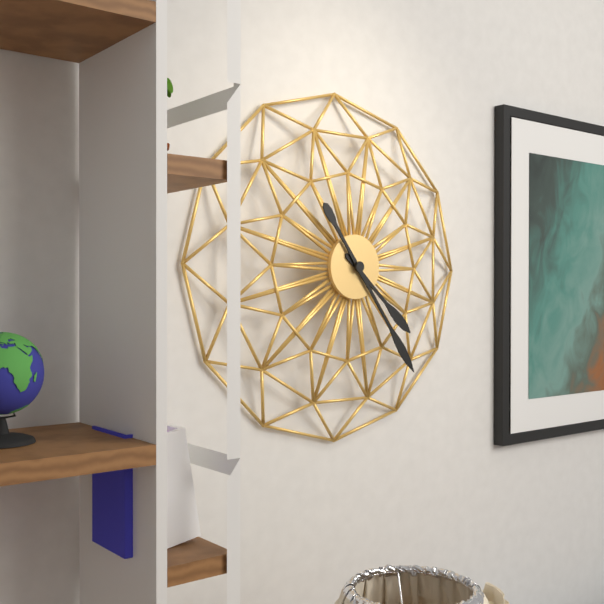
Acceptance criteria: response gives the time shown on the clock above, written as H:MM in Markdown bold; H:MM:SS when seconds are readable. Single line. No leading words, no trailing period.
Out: **4:24**
